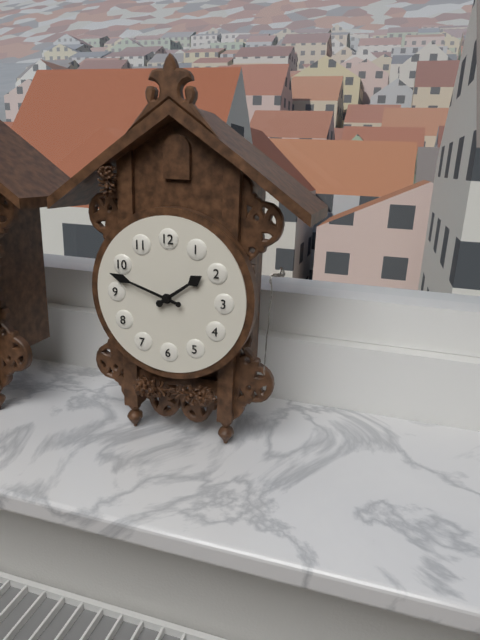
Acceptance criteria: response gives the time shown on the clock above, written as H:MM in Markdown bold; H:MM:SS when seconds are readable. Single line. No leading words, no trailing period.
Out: **1:48**
